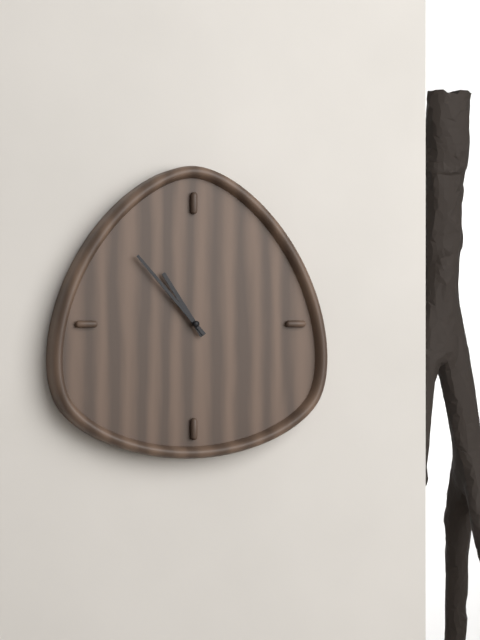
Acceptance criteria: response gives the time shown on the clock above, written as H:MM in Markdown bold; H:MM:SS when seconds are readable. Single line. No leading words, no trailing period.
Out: **10:53**
